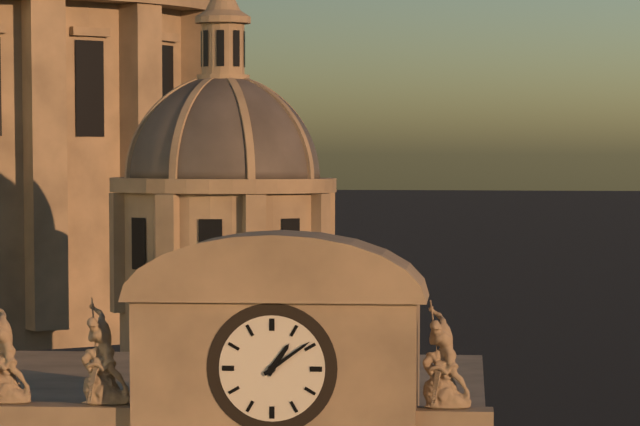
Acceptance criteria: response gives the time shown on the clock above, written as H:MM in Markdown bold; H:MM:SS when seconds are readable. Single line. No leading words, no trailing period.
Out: **1:09**
